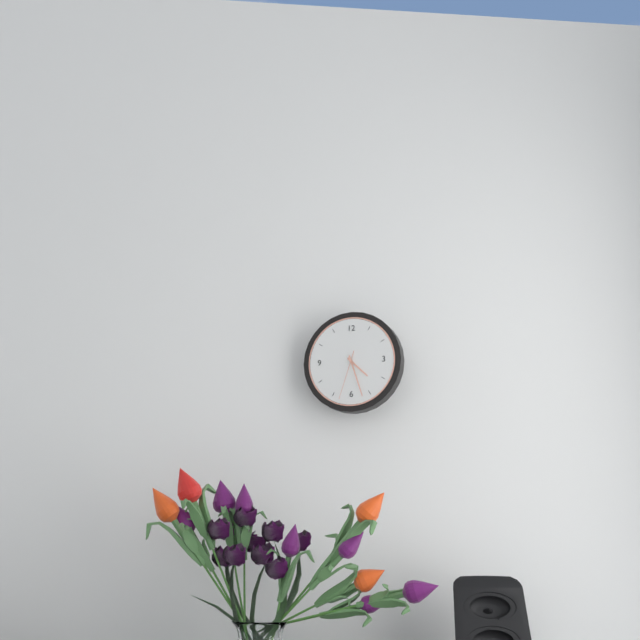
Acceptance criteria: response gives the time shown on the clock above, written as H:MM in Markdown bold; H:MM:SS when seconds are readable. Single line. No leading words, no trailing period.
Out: **4:27**
